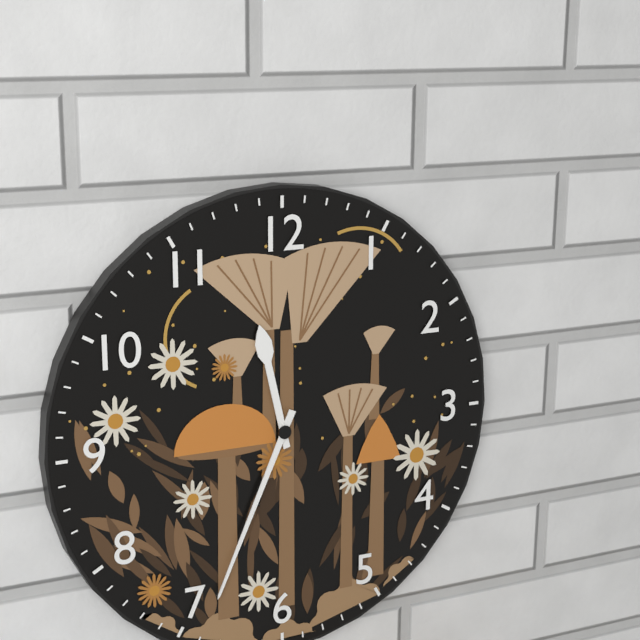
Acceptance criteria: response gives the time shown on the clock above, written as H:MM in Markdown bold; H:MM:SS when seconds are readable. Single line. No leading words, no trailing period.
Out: **11:34**
